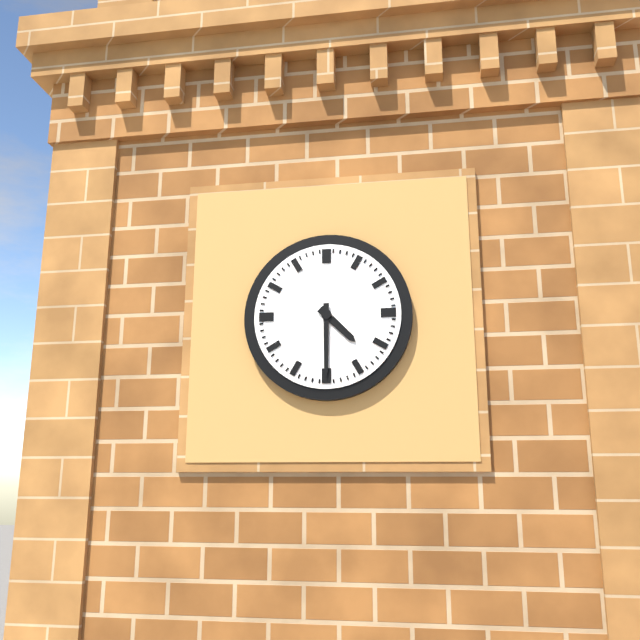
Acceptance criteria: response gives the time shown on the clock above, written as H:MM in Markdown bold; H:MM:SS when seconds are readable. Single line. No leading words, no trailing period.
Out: **4:30**
